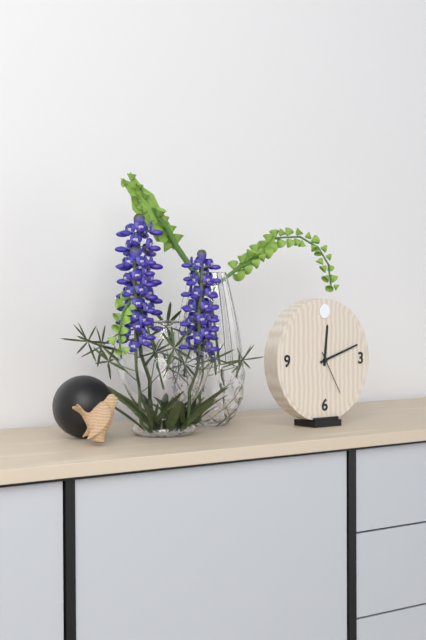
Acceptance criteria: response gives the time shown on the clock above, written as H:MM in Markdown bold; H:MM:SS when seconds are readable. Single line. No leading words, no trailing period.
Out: **12:12**
